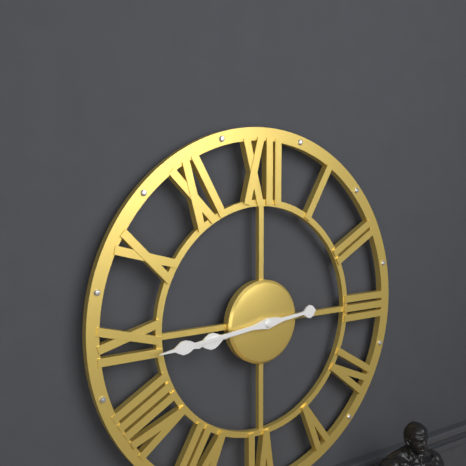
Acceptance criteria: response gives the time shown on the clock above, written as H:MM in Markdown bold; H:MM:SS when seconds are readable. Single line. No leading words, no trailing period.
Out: **8:44**
